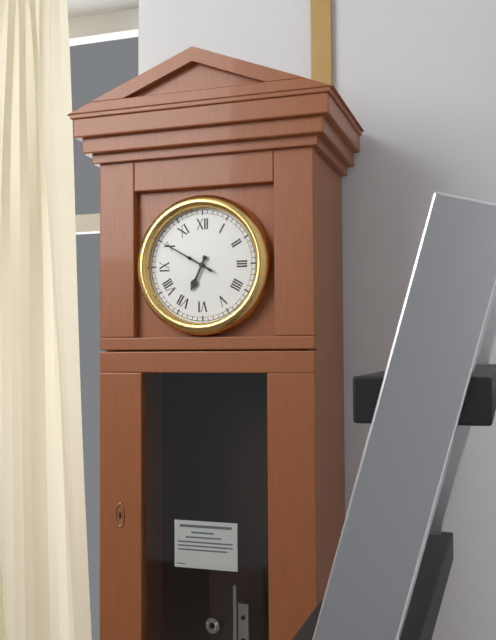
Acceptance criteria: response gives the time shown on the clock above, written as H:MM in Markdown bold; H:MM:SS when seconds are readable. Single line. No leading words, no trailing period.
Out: **6:50**
